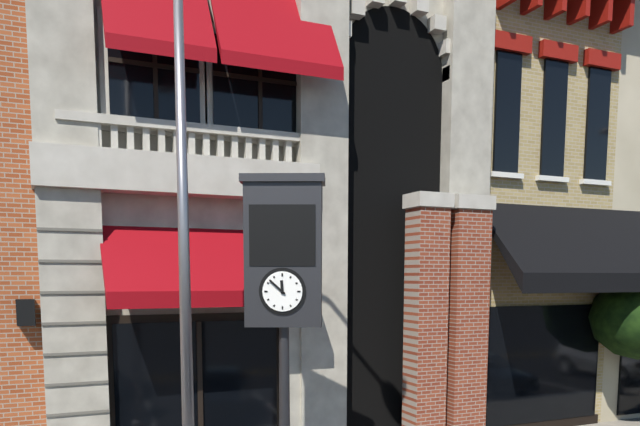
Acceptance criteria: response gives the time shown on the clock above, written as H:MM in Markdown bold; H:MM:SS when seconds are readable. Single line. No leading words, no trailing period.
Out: **11:52**
